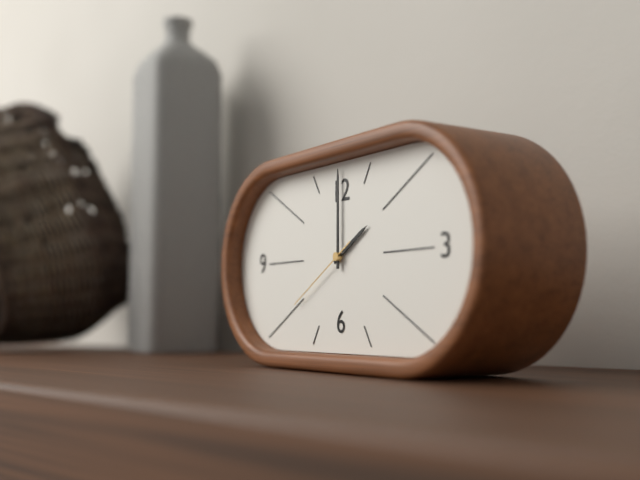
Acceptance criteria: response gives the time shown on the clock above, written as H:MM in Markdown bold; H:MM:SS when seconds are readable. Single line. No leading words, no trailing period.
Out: **2:00:40**
